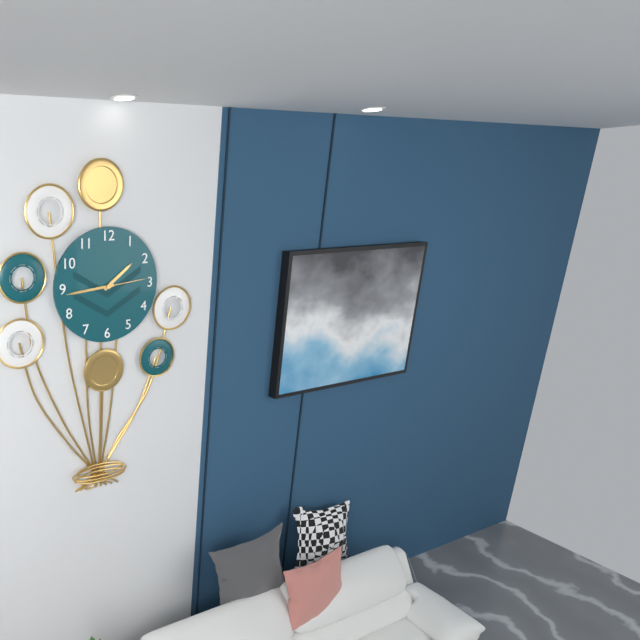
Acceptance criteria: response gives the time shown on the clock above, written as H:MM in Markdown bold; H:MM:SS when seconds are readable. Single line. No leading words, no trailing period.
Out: **1:44**
